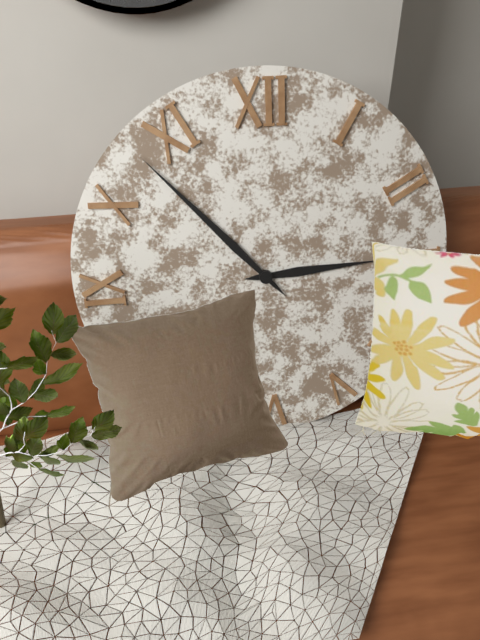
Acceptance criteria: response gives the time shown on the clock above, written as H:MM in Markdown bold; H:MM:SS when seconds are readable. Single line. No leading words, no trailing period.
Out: **2:53**
